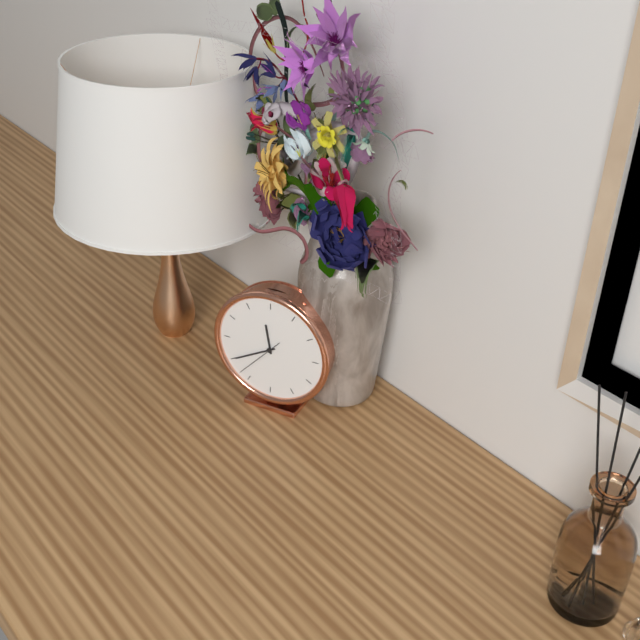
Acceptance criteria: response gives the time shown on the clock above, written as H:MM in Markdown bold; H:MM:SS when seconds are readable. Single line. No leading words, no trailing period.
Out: **11:40**
